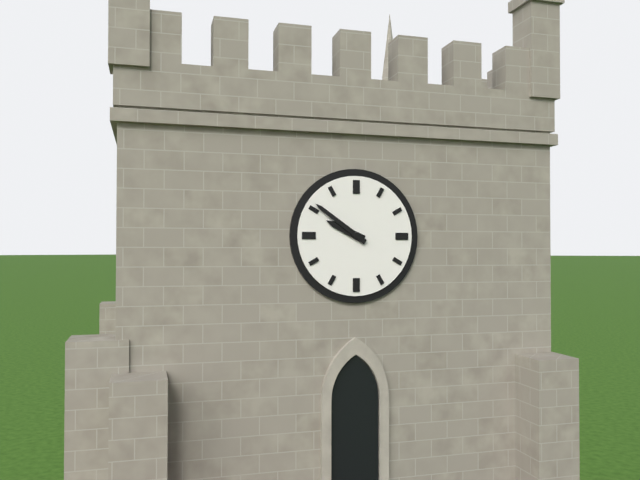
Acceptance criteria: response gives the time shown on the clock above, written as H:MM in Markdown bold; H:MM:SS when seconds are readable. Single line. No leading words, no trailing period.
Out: **9:51**
